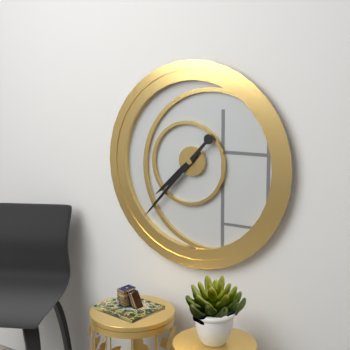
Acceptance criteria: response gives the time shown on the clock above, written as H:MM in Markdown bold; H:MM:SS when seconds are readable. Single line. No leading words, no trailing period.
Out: **7:37**
